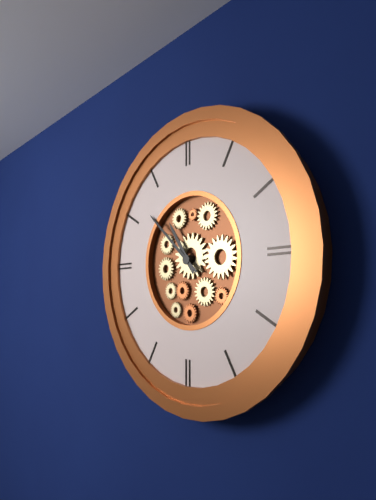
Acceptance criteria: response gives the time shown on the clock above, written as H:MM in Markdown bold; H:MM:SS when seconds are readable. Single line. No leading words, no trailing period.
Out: **10:52**
